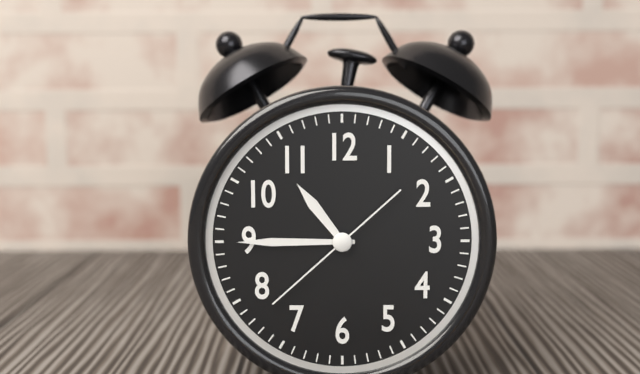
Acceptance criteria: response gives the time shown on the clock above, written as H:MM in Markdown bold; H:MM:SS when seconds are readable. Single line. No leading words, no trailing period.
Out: **10:45:38**
